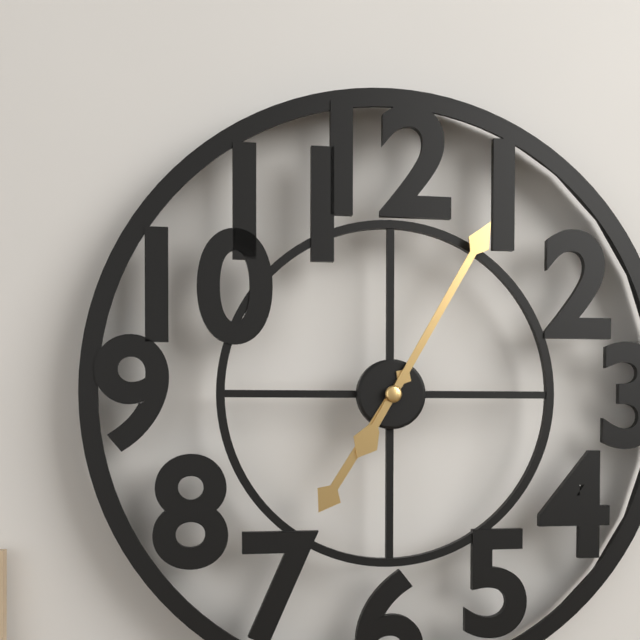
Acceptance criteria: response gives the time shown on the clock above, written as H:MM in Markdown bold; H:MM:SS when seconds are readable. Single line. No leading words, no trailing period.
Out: **7:05**
